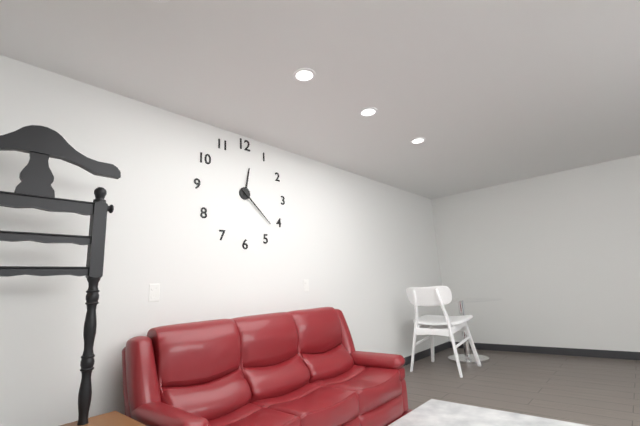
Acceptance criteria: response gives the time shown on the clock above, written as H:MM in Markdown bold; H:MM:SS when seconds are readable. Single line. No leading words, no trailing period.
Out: **12:22**
